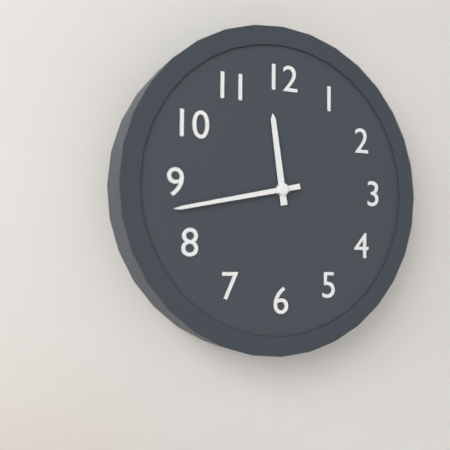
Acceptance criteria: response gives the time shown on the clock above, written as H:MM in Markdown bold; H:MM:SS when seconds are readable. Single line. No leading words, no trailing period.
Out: **11:43**
